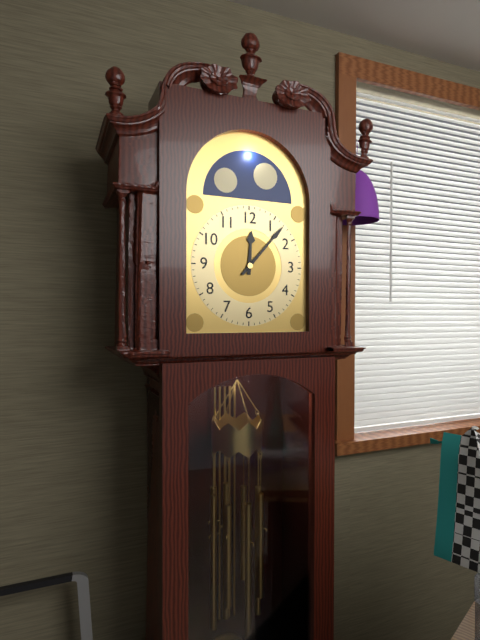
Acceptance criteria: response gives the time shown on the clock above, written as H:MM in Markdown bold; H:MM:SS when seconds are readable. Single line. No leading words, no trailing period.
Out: **12:07**
